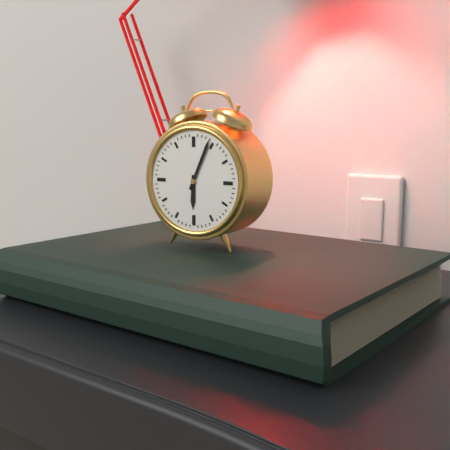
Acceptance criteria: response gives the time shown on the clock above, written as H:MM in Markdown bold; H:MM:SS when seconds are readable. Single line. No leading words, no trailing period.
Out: **6:04**
